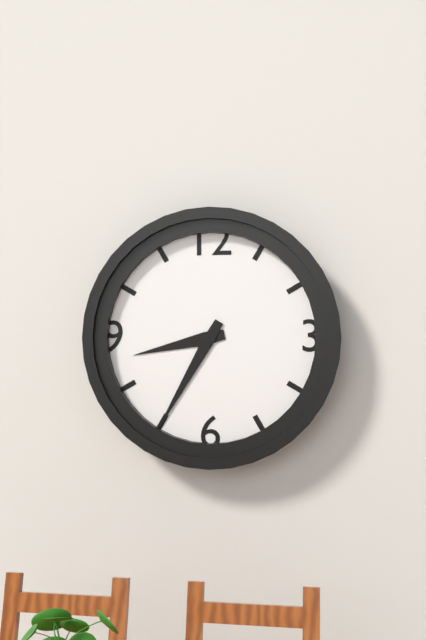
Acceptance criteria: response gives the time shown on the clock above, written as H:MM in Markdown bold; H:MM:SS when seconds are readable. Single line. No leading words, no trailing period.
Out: **8:35**
